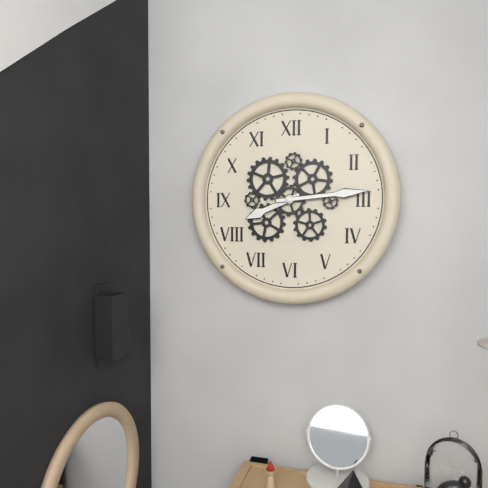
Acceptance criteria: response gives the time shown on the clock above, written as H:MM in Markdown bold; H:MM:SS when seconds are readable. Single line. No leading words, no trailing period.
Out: **8:14**
